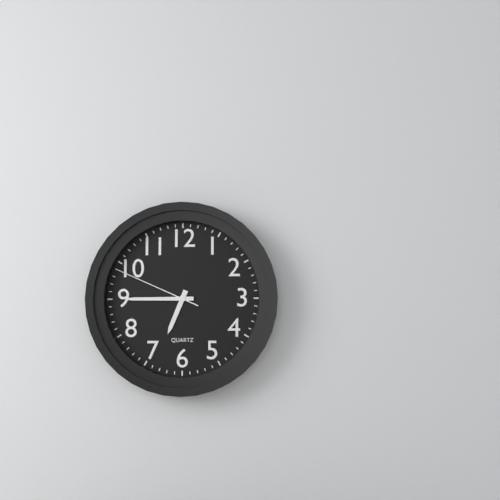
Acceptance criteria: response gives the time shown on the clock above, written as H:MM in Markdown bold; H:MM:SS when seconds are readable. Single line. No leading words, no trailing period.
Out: **6:45:49**
